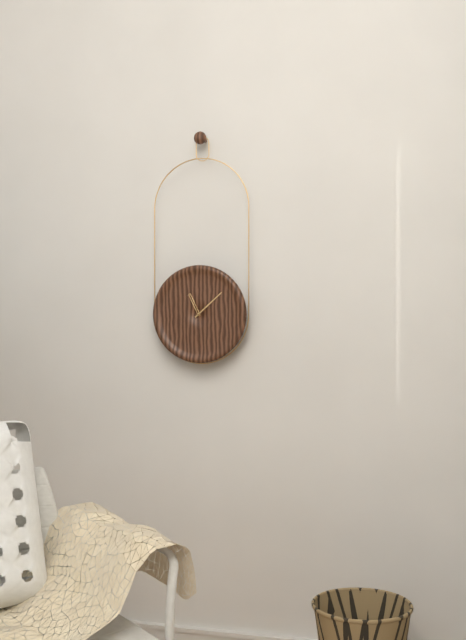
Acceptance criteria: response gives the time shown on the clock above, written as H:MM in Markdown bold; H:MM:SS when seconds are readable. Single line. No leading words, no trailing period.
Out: **11:08**
